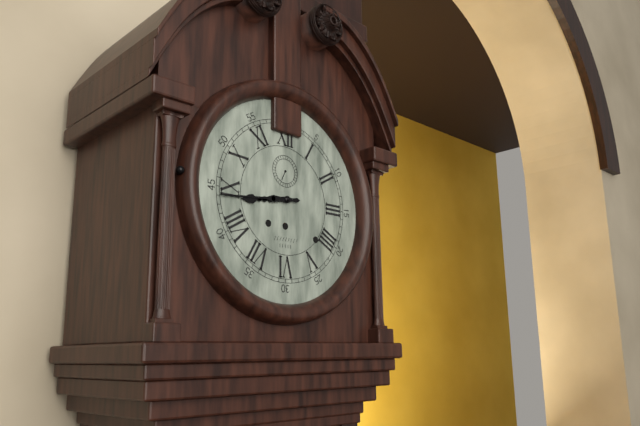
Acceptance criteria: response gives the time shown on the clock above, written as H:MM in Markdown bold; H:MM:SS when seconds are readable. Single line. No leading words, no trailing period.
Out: **8:44**
